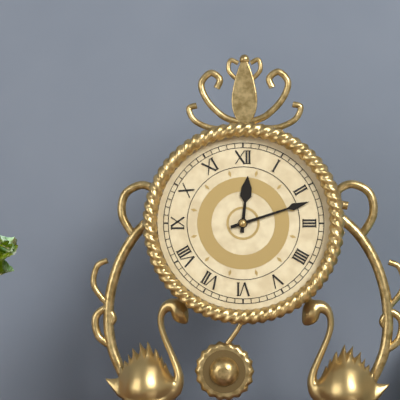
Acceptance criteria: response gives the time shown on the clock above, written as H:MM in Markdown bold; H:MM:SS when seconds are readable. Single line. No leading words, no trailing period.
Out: **12:12**
